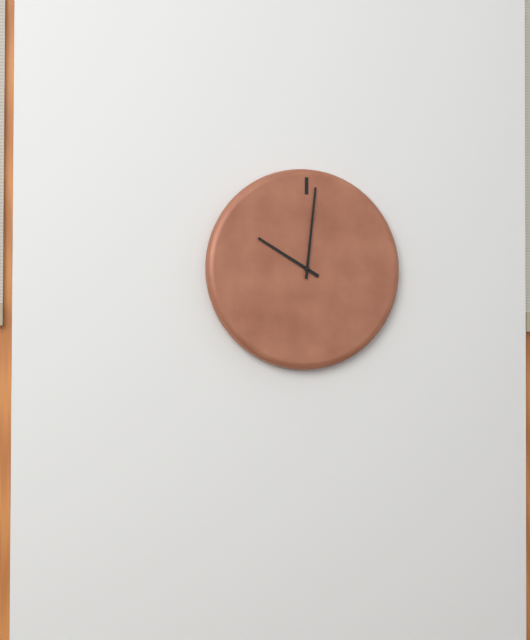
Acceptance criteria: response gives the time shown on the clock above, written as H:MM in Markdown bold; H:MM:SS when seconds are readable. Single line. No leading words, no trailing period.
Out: **10:01**
